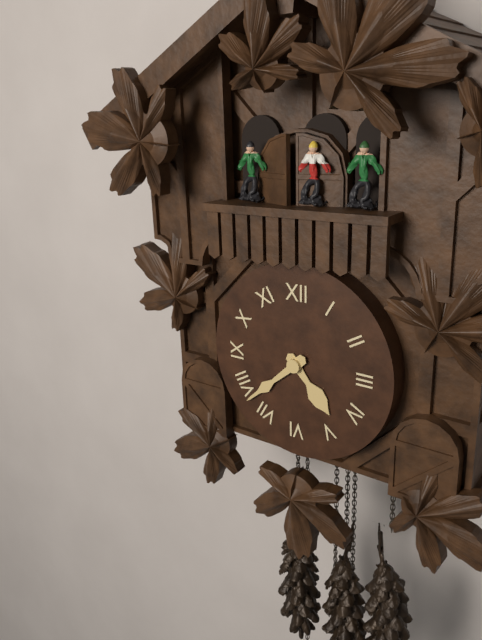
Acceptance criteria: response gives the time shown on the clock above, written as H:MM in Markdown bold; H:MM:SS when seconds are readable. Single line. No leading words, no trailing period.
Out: **4:38**
